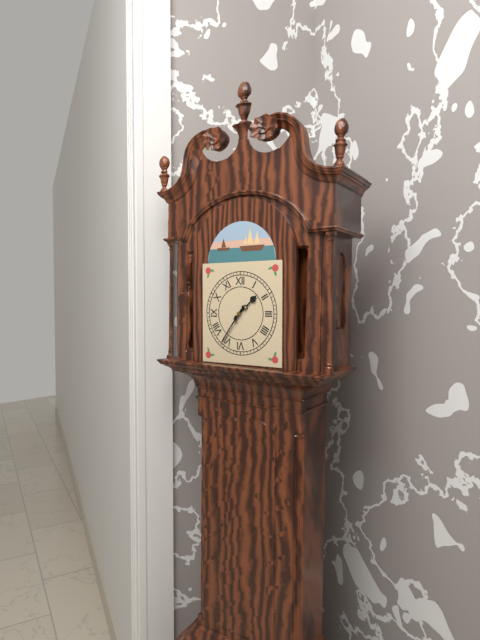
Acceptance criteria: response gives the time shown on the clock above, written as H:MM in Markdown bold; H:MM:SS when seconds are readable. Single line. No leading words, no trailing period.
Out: **1:36**
